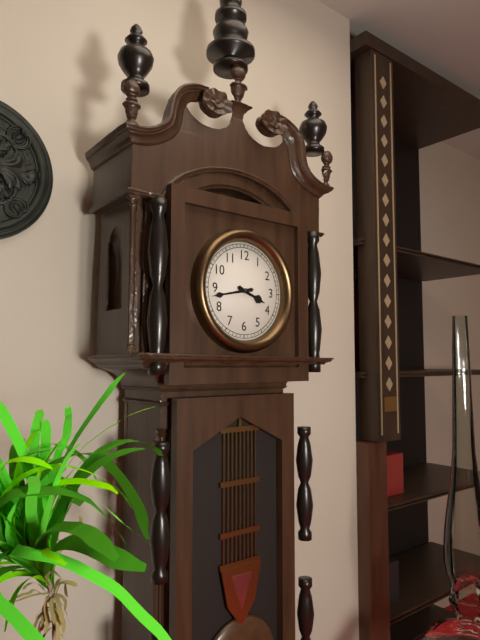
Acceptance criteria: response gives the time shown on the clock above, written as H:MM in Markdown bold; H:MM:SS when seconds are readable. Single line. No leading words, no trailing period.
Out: **3:43**
